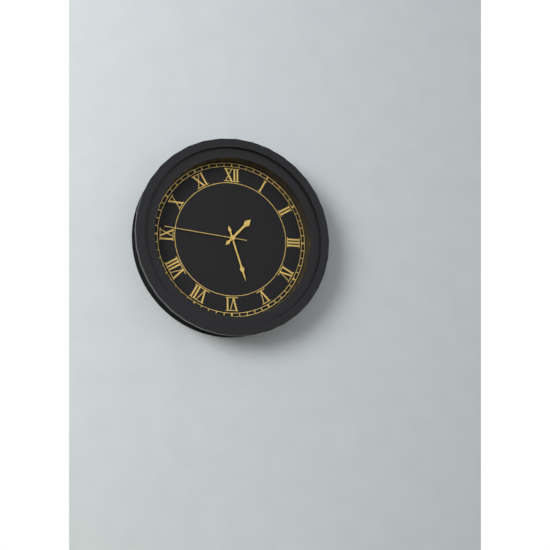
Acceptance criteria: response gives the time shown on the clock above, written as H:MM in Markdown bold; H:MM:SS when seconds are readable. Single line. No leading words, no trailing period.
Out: **1:27:46**
